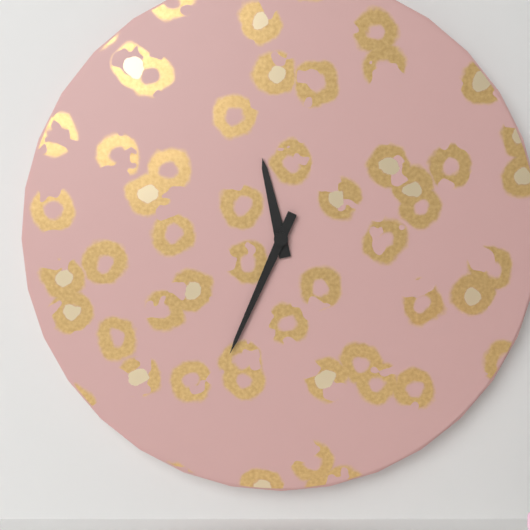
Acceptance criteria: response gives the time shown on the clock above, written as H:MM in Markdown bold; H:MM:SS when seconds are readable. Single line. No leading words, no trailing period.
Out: **11:34**
